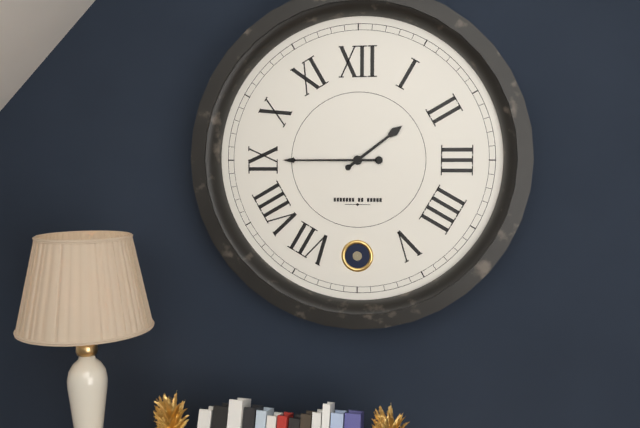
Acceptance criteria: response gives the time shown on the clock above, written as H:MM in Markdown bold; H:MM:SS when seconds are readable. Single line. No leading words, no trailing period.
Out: **1:45**
